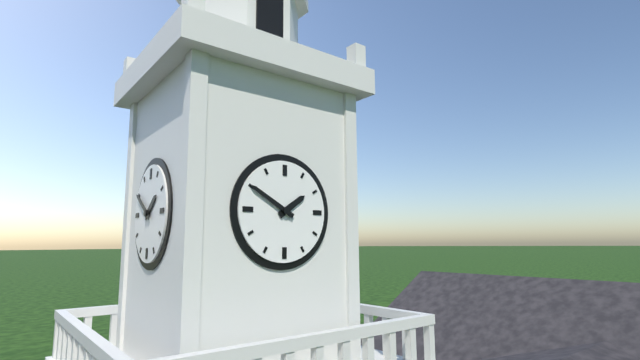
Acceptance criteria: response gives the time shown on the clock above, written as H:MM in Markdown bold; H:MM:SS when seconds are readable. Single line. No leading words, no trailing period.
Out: **1:50**
